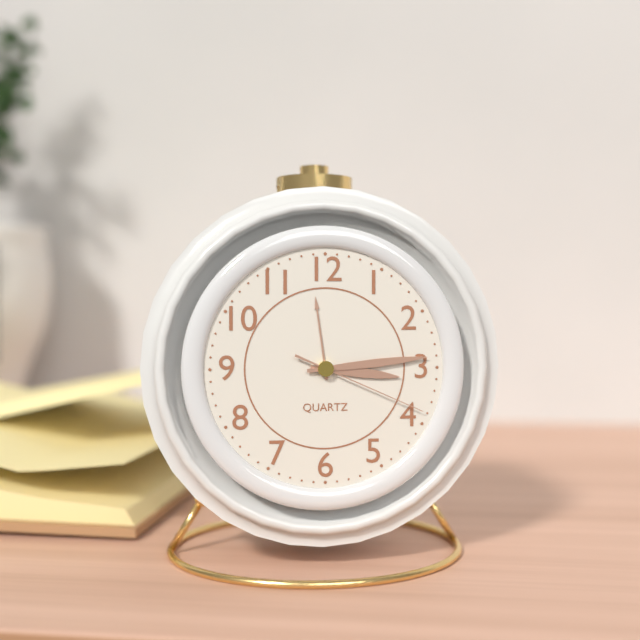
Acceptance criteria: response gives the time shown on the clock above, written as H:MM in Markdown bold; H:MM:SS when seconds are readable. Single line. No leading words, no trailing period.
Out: **3:14:19**
